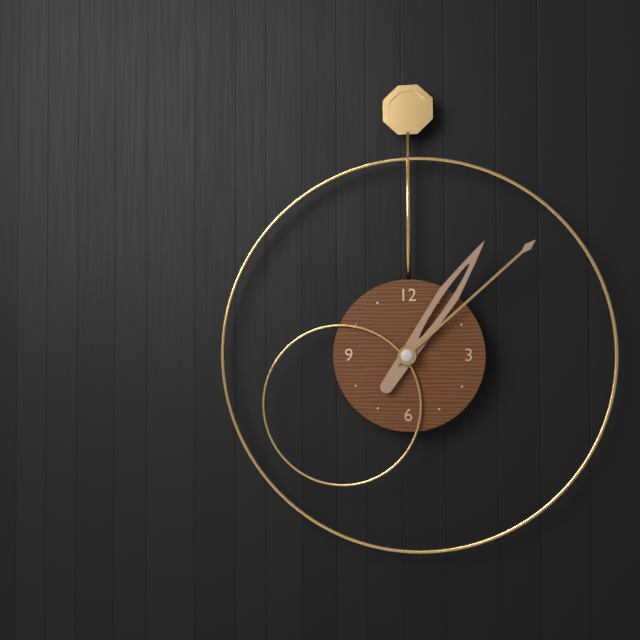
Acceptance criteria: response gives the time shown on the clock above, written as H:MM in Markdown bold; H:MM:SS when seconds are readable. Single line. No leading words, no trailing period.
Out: **1:08**
